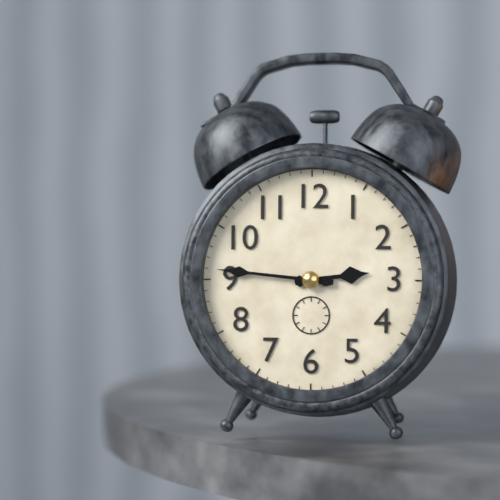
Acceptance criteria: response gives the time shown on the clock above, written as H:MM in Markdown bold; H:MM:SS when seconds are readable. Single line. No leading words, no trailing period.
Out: **2:46**
